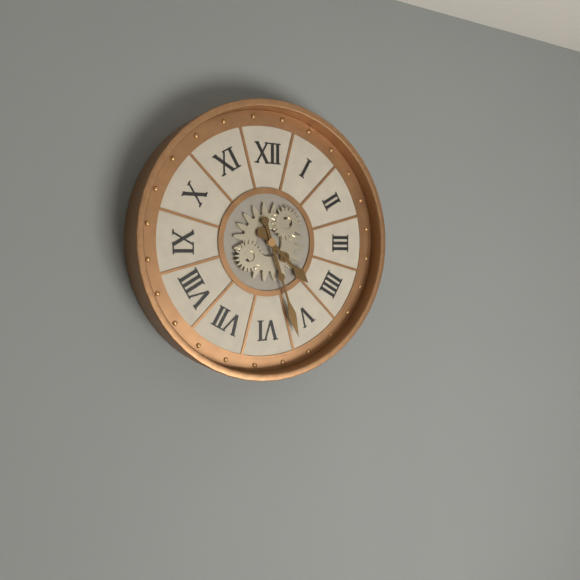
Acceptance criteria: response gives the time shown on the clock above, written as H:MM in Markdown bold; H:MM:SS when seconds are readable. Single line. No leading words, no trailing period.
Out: **4:27**
